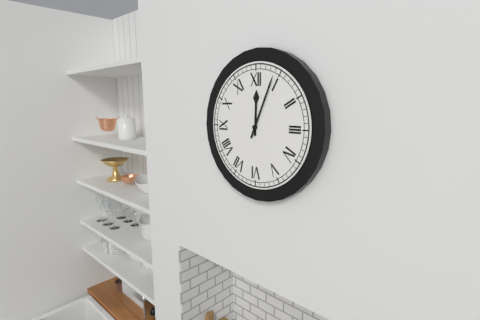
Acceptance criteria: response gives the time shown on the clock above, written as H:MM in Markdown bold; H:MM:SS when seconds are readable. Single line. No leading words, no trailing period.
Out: **12:04**
